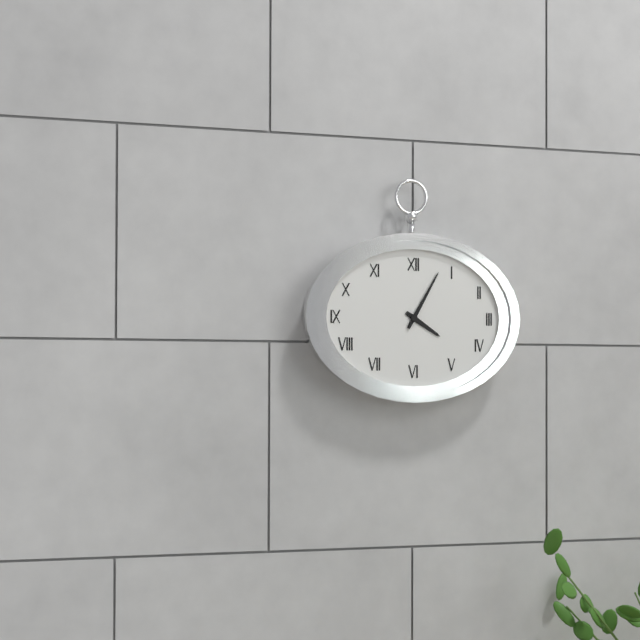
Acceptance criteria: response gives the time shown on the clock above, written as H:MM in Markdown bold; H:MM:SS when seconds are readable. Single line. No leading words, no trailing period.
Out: **4:05**
